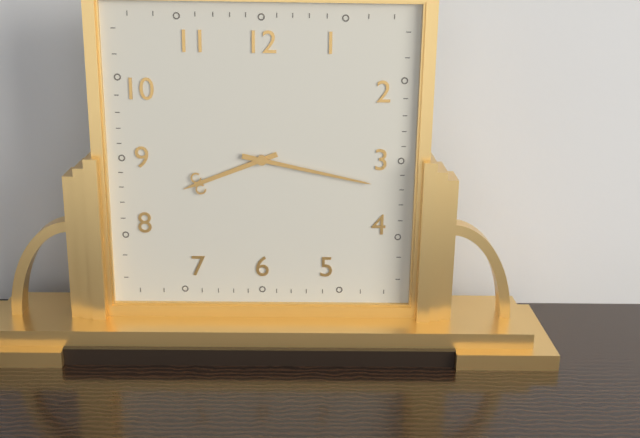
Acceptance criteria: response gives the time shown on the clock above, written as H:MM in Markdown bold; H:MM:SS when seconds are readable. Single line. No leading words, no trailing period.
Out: **8:17**
